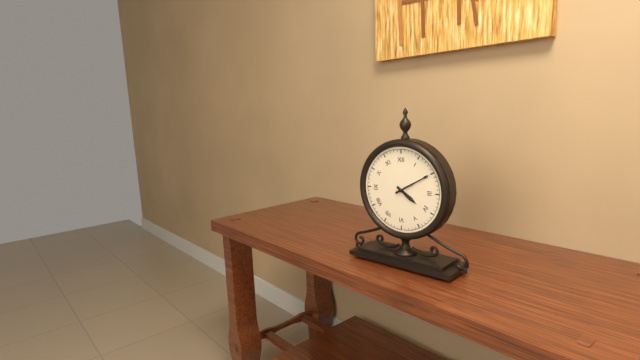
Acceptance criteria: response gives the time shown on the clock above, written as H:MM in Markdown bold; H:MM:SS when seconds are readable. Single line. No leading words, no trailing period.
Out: **4:10**
